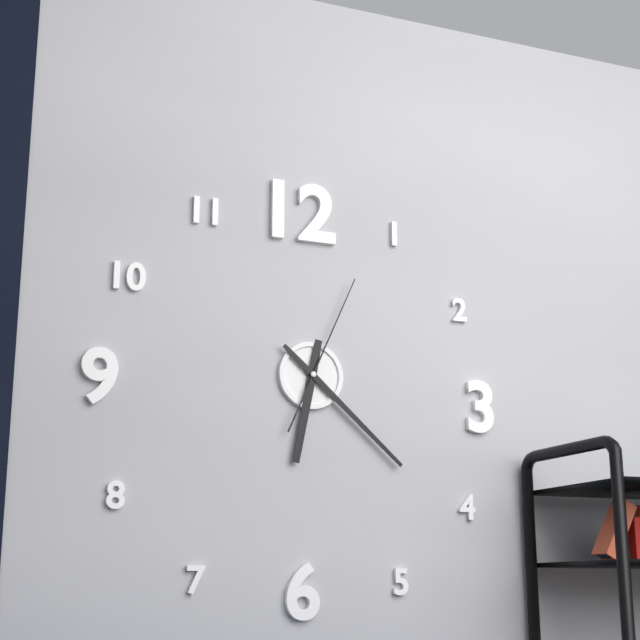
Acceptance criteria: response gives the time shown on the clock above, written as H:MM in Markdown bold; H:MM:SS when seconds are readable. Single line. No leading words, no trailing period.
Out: **6:22:04**
